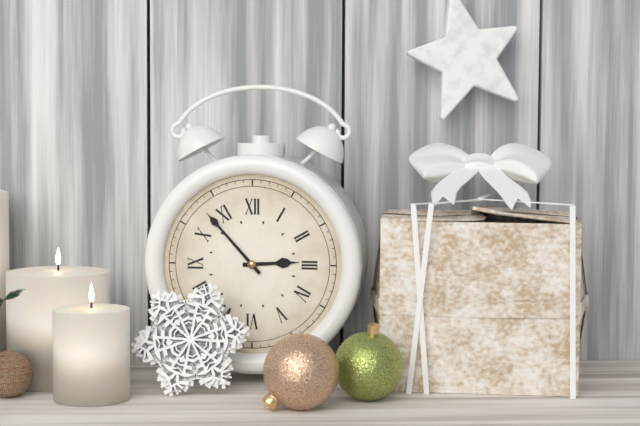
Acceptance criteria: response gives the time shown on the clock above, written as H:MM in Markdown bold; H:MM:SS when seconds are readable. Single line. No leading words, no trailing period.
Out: **2:53**
